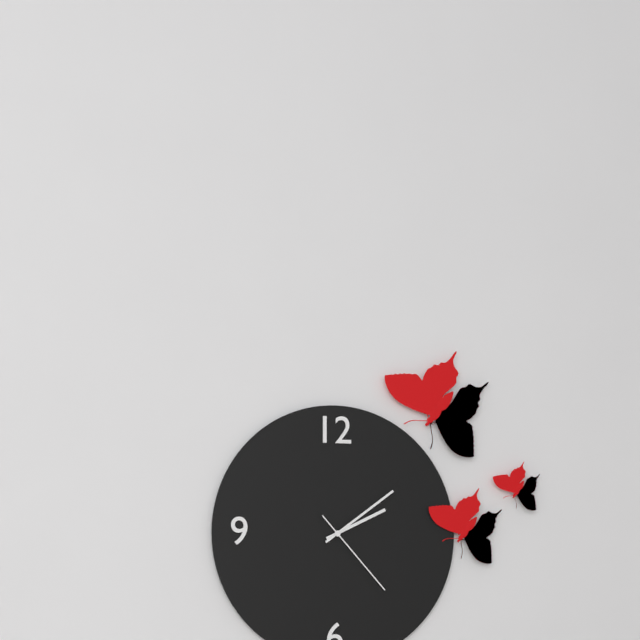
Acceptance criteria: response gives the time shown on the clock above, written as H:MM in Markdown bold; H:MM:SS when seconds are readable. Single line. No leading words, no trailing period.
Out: **2:09:23**
